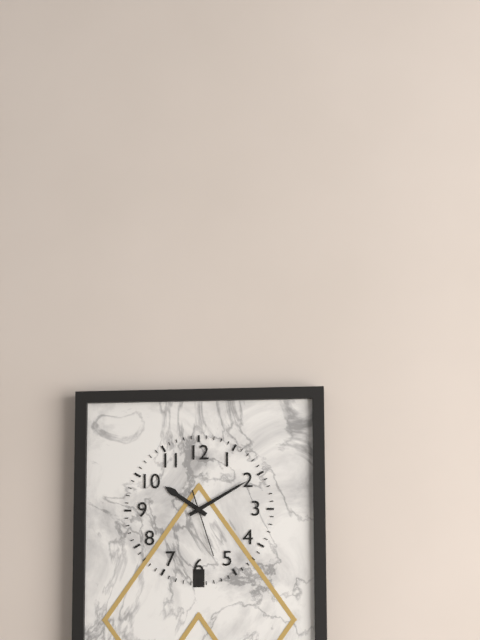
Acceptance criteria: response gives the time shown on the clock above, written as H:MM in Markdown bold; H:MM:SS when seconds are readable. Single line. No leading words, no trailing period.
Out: **10:10:27**
